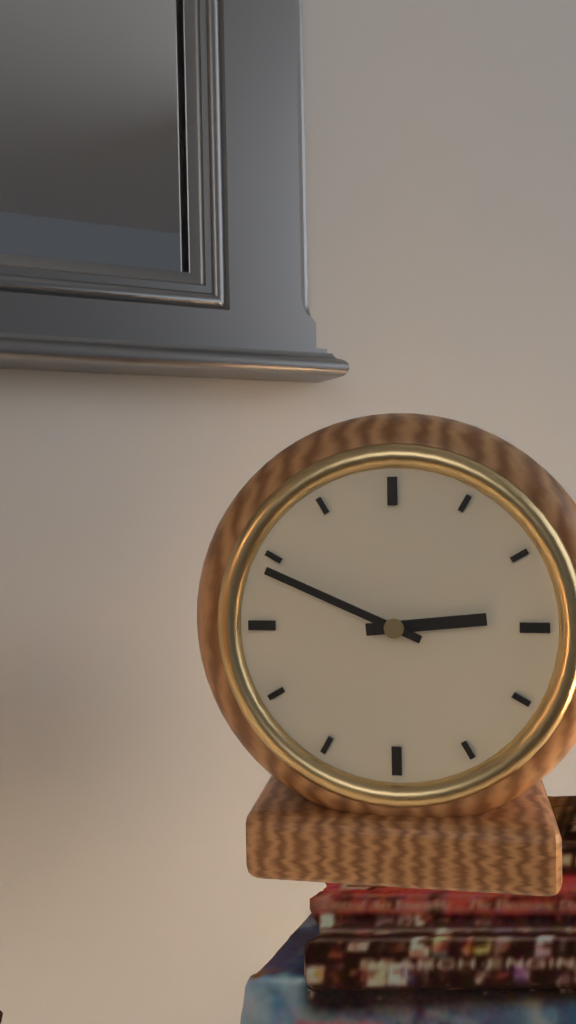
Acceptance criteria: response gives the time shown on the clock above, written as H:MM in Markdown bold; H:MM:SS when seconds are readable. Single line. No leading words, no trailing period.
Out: **2:49**
